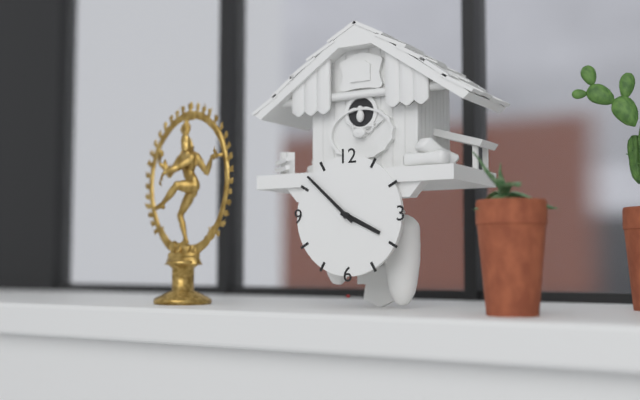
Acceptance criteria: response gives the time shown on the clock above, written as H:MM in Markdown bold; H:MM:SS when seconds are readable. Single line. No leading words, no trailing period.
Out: **3:52**
